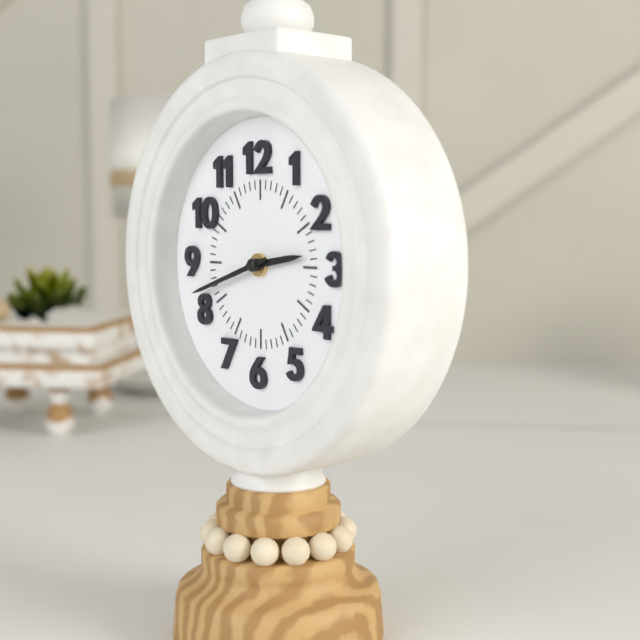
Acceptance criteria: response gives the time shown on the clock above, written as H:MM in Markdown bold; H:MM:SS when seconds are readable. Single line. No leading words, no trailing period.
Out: **2:42**
